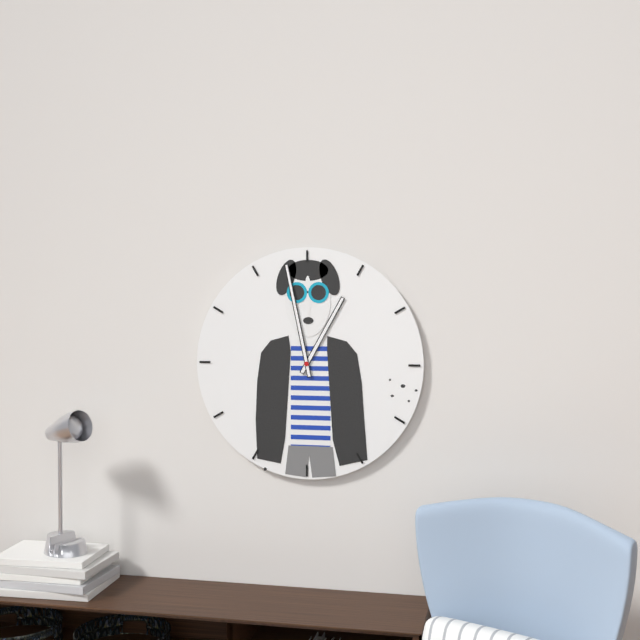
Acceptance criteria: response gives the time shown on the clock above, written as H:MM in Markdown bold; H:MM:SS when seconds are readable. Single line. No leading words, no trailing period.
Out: **12:58**
